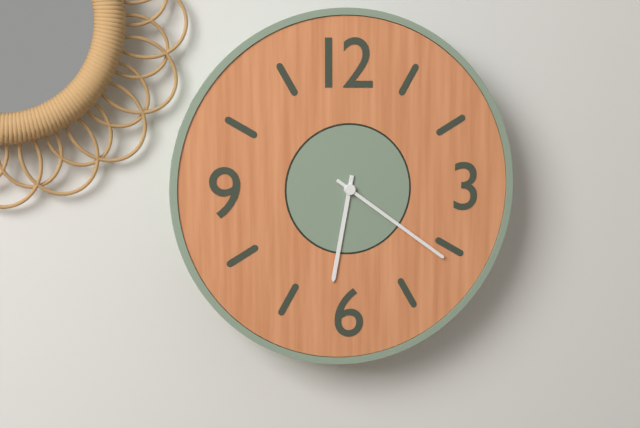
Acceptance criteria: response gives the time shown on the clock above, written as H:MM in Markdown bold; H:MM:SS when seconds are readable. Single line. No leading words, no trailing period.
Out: **6:21**
